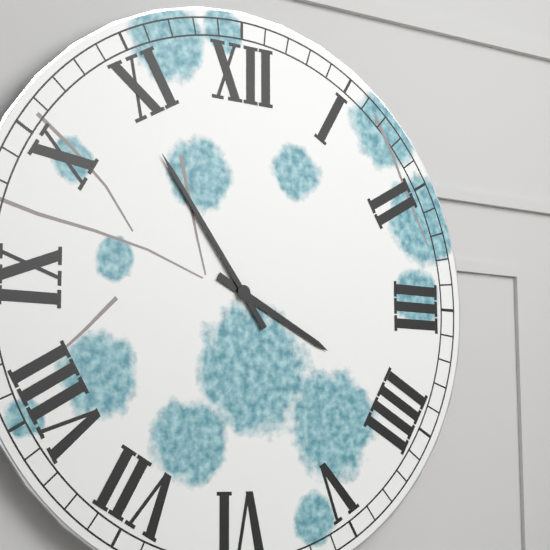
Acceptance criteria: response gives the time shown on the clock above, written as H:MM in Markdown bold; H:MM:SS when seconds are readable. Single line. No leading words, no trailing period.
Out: **3:54**
